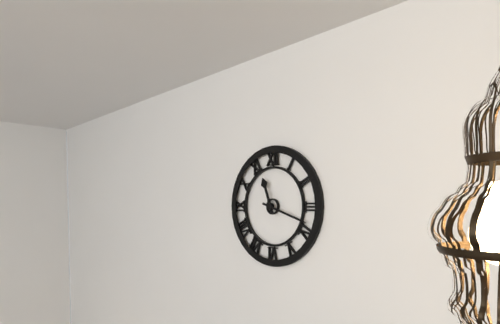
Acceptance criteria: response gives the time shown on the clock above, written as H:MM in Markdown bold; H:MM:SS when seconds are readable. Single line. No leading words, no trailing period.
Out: **11:18**
